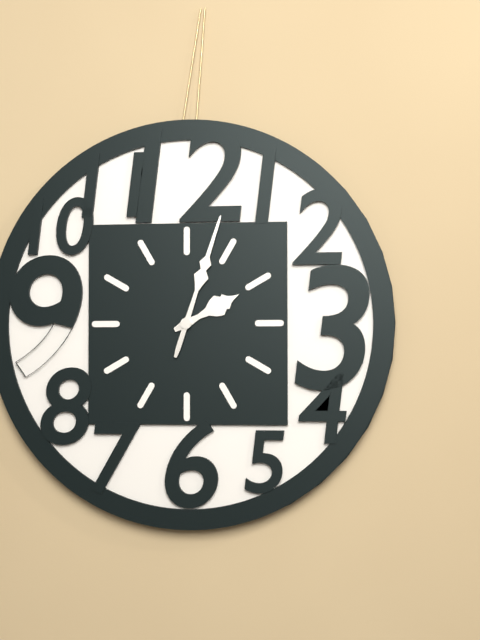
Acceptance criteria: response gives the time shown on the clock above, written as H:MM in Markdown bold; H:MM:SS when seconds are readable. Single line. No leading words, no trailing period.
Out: **2:03**
